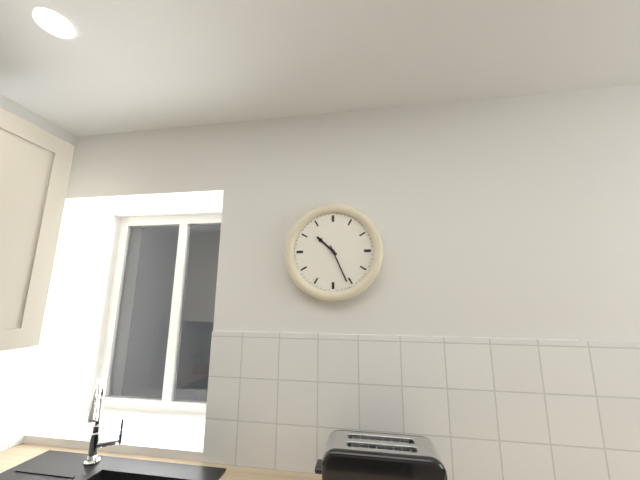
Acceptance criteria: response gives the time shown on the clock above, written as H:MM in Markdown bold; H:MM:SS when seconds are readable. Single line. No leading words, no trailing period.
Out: **10:26**
